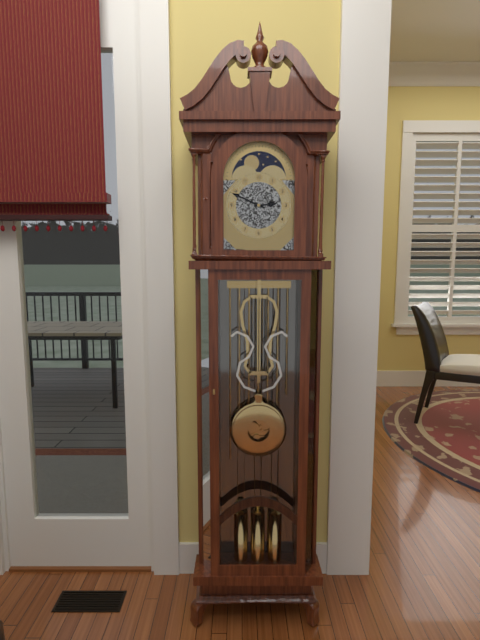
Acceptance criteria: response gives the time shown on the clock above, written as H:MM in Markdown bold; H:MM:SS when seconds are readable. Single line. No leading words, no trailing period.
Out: **2:49**
